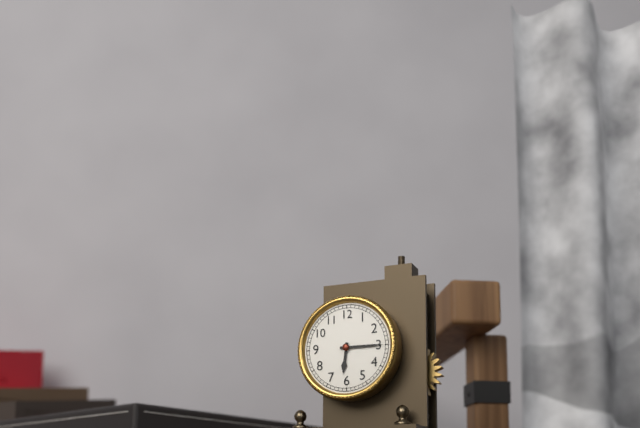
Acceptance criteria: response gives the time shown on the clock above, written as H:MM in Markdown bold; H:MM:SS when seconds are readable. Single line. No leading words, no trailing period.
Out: **6:15**
